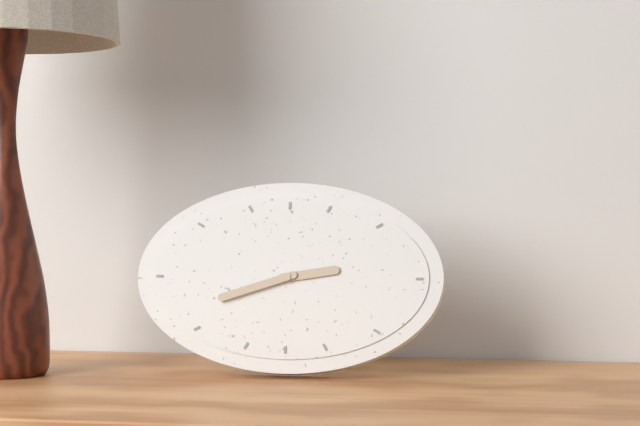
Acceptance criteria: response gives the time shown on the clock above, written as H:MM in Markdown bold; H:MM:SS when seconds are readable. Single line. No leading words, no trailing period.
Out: **2:42**
